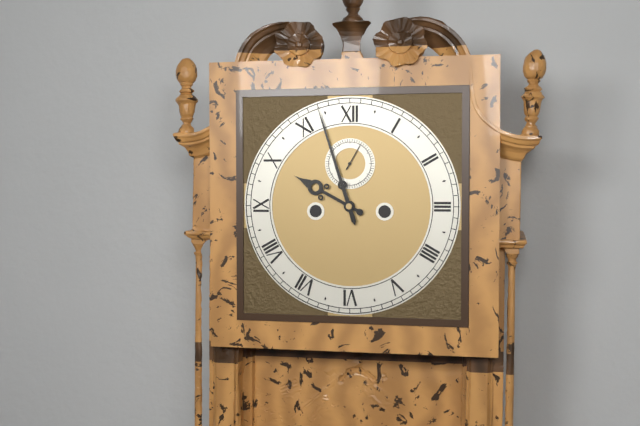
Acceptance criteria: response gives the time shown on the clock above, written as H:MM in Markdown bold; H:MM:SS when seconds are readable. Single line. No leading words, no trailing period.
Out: **9:57**
